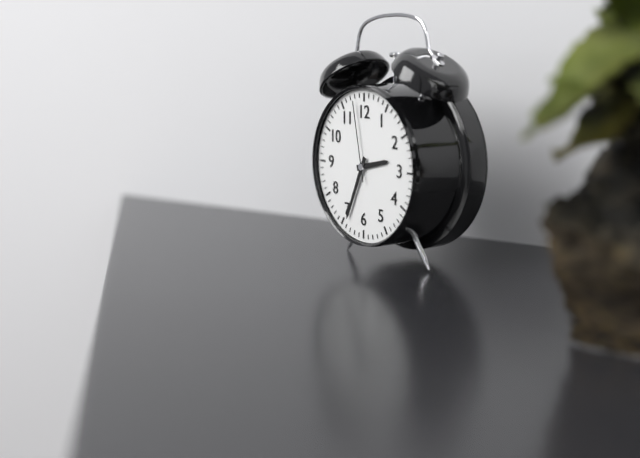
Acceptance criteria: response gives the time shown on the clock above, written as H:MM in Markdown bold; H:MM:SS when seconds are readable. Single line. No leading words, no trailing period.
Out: **2:34:58**
